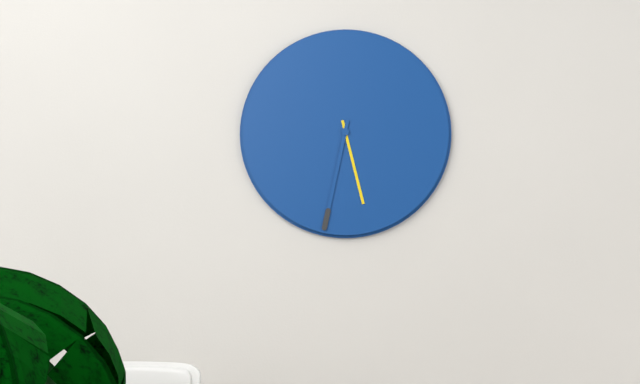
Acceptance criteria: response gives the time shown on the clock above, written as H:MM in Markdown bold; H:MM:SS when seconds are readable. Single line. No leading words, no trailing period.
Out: **5:32**
